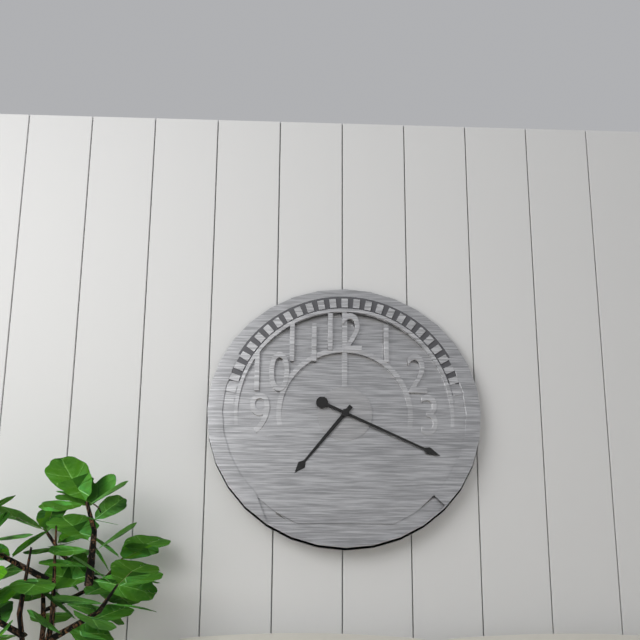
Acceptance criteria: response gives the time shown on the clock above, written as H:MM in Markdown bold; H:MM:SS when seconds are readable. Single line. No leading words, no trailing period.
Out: **7:19**
